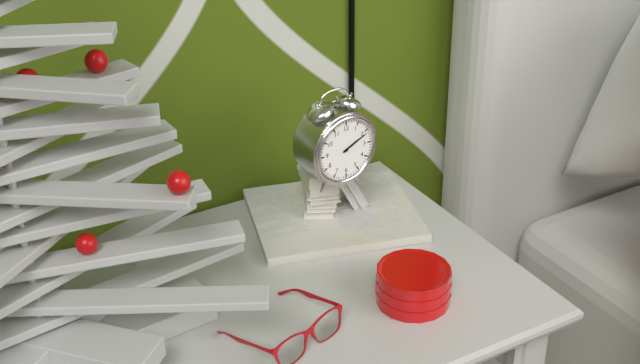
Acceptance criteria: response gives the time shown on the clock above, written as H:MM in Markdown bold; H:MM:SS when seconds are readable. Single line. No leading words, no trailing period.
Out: **2:11**
